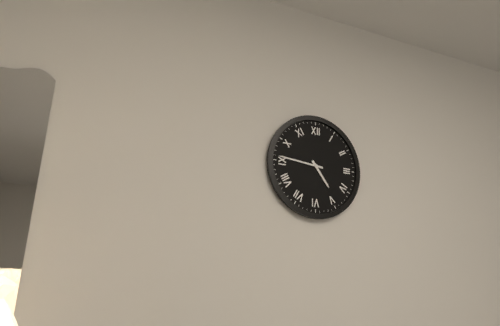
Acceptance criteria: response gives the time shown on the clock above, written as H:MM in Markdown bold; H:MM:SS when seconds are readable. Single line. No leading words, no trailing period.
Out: **4:46**
